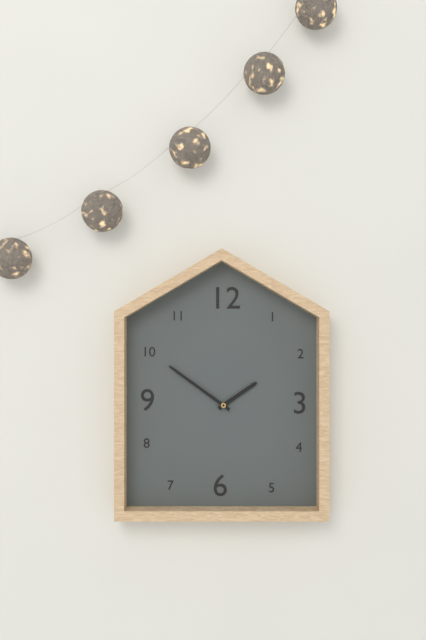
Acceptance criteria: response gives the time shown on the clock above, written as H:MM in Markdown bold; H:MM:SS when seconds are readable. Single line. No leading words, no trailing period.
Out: **1:51**
